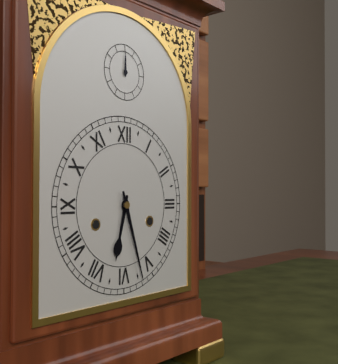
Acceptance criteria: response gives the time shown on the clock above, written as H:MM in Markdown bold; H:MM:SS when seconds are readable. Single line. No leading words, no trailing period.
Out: **6:27**
